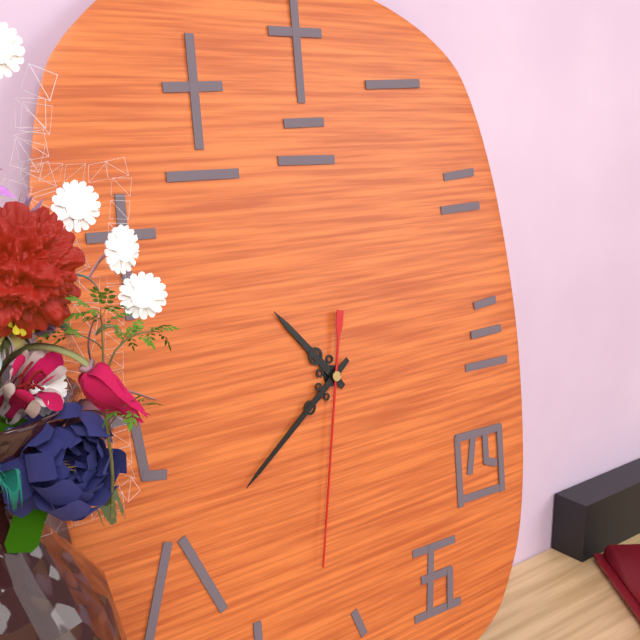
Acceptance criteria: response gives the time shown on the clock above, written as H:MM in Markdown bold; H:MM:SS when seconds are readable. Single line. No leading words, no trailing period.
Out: **10:39:32**
